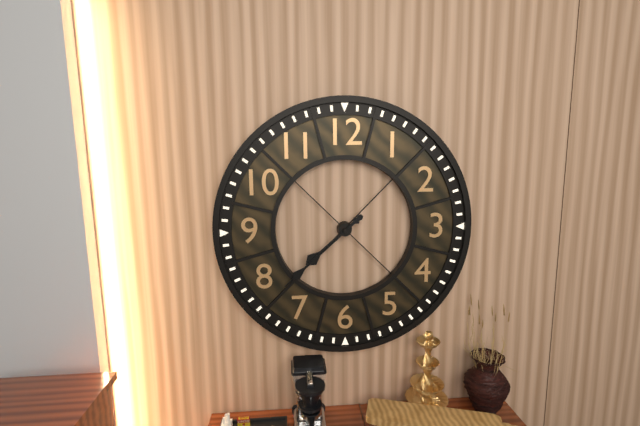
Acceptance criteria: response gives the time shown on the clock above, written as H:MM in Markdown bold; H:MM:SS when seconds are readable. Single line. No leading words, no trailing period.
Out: **7:38**
